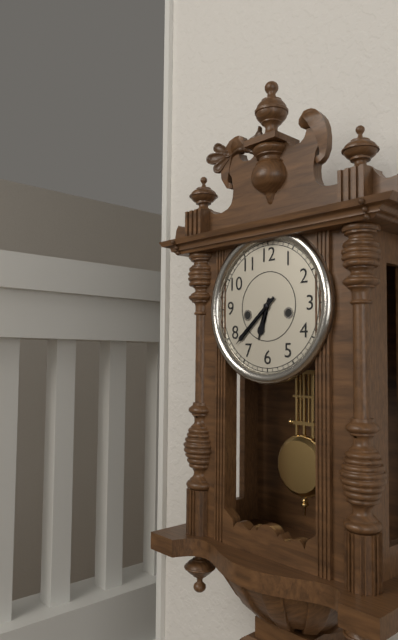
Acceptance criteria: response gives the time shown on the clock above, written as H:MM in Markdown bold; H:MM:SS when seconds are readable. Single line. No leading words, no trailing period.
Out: **6:38**
